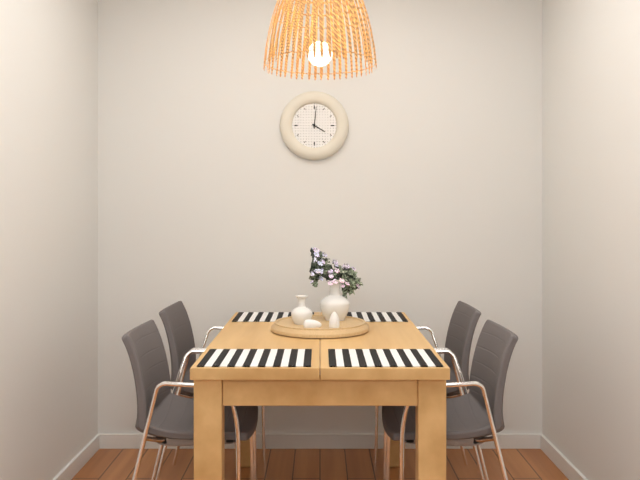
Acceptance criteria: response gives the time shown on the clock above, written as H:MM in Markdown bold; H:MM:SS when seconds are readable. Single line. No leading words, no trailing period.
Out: **4:01**
